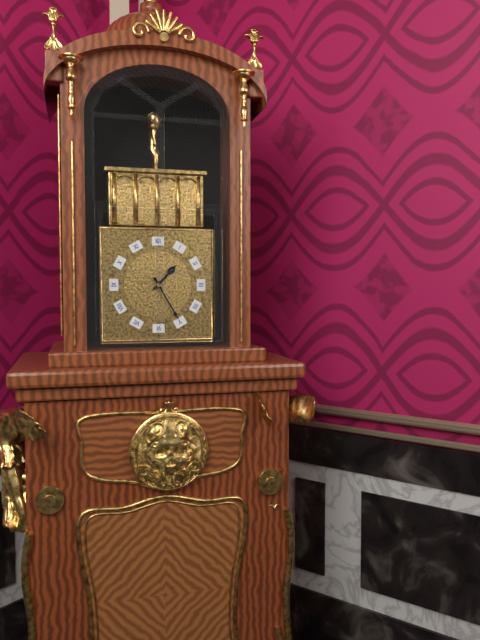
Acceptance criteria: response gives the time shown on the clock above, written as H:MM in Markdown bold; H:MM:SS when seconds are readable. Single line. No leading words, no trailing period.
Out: **1:25**
